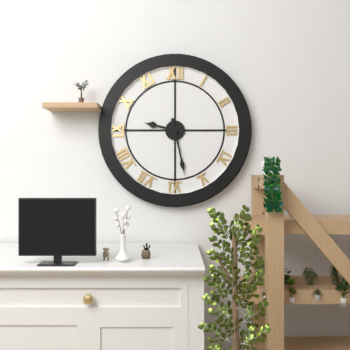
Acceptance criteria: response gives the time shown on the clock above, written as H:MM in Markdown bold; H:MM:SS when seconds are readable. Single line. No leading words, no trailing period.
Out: **9:28**
